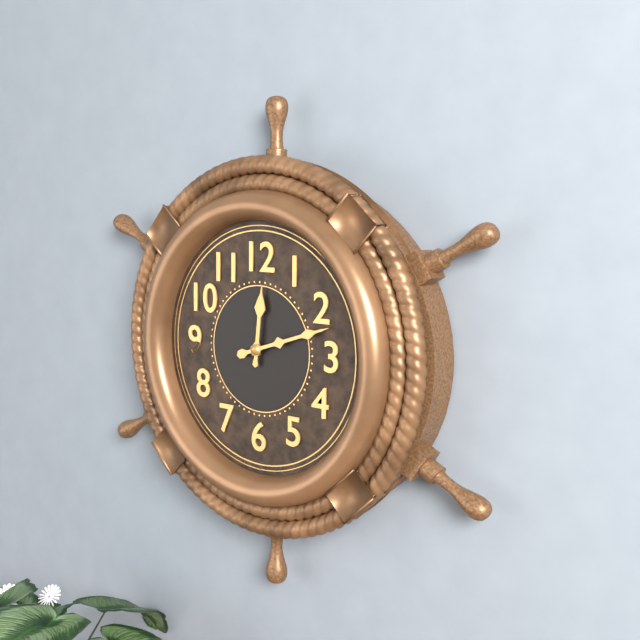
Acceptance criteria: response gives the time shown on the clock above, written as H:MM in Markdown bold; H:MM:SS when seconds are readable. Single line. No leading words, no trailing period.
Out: **12:12**
